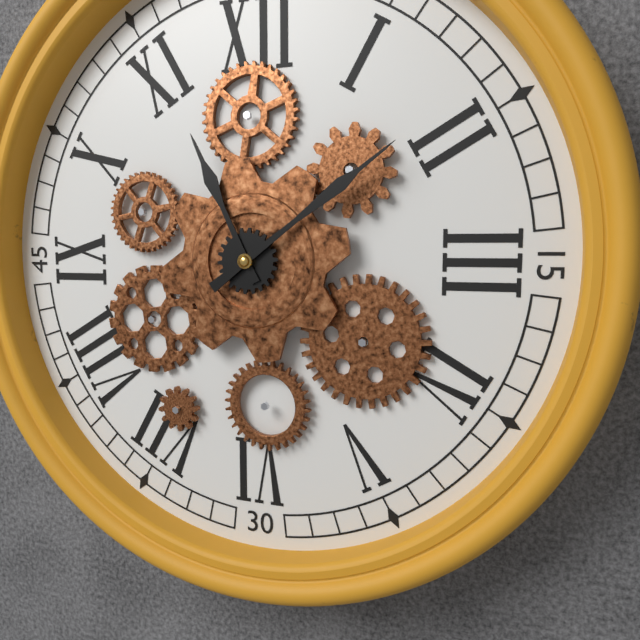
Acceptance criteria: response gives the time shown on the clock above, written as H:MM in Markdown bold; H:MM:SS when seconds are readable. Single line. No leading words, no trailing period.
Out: **11:09**
